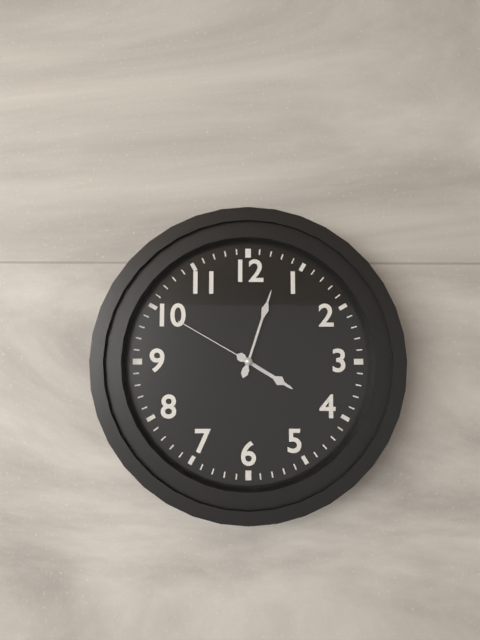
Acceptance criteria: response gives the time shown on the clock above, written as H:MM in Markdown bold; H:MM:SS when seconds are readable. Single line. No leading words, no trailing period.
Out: **4:03:50**
